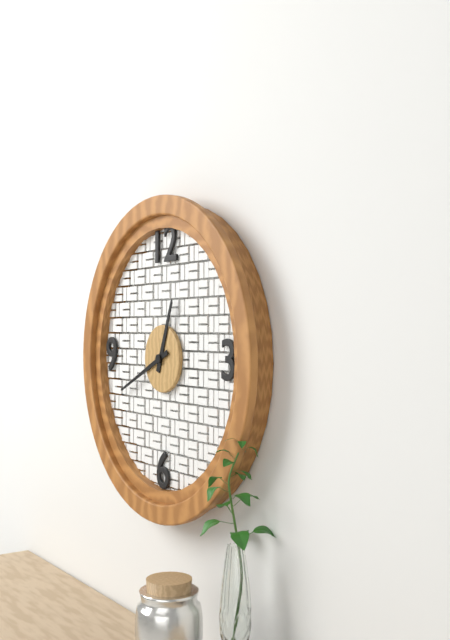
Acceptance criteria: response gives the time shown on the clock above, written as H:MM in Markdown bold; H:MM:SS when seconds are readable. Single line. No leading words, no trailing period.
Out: **12:41**
